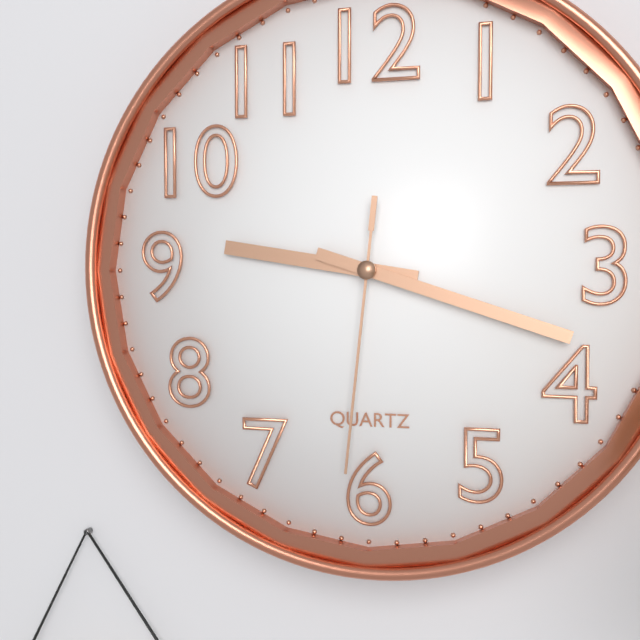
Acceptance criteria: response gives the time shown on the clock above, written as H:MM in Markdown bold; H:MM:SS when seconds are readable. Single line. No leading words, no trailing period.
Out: **9:18:31**
